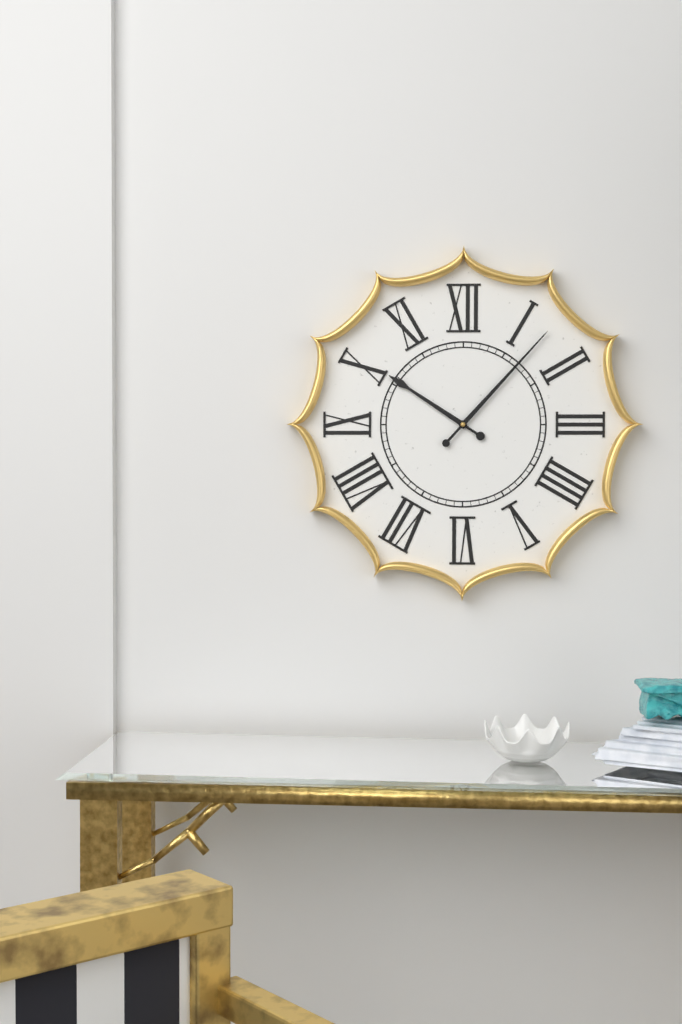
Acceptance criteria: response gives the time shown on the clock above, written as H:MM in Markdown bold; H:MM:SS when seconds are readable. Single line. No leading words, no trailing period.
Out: **10:07**
